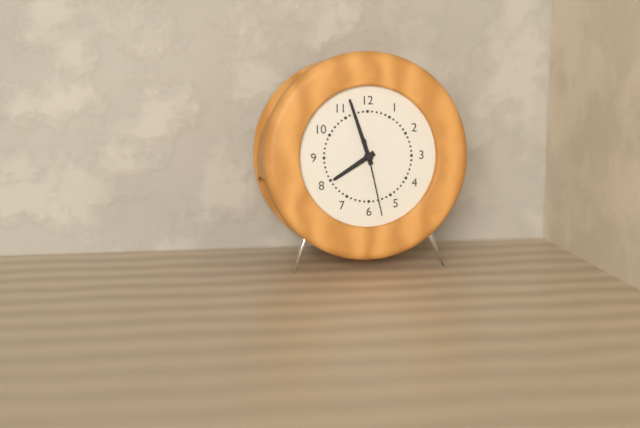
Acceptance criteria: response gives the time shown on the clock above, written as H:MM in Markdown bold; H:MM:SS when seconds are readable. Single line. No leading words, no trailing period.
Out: **7:57:28**
